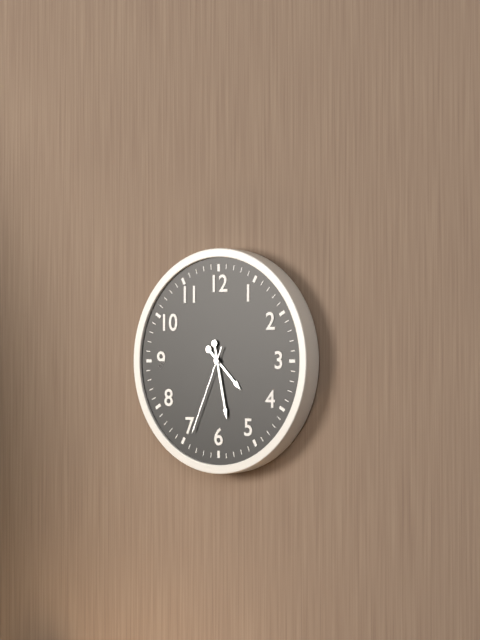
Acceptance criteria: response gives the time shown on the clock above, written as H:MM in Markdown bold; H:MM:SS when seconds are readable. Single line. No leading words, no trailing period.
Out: **4:28:34**
